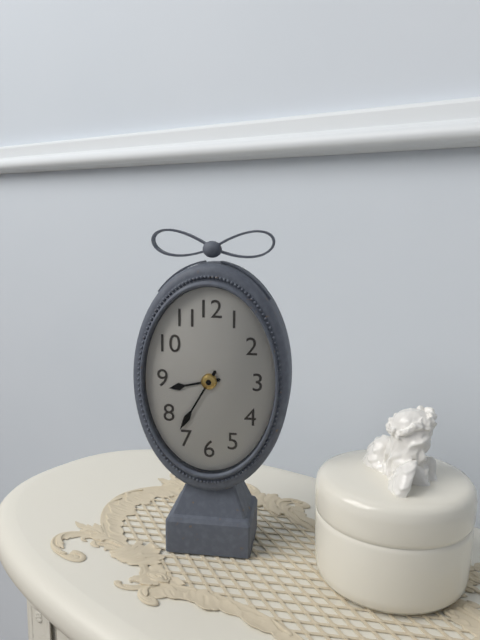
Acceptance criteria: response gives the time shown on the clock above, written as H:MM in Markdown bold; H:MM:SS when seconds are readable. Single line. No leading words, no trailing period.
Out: **8:35**
